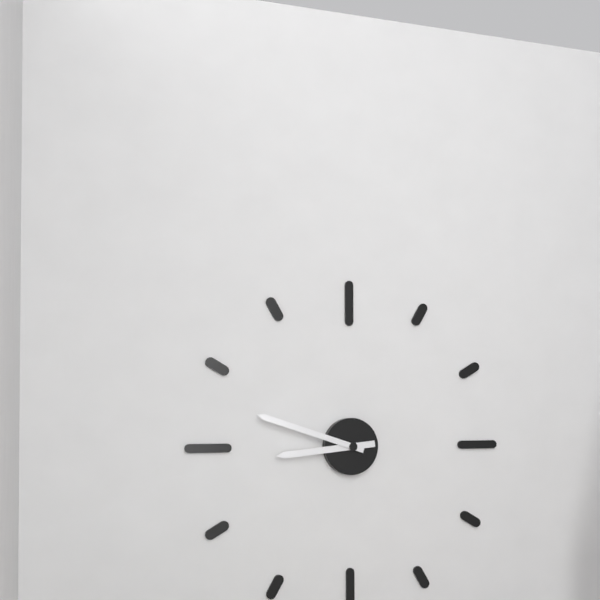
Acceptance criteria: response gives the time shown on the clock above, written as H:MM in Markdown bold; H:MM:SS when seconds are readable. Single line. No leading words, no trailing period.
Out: **8:48**
